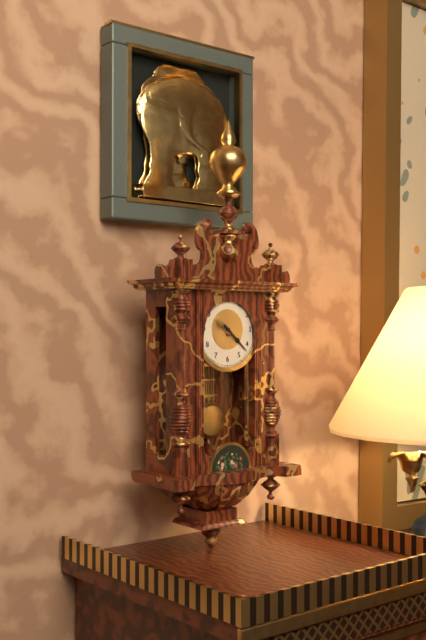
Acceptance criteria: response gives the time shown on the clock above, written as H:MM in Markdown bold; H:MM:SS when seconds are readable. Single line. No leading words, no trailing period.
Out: **4:22**
